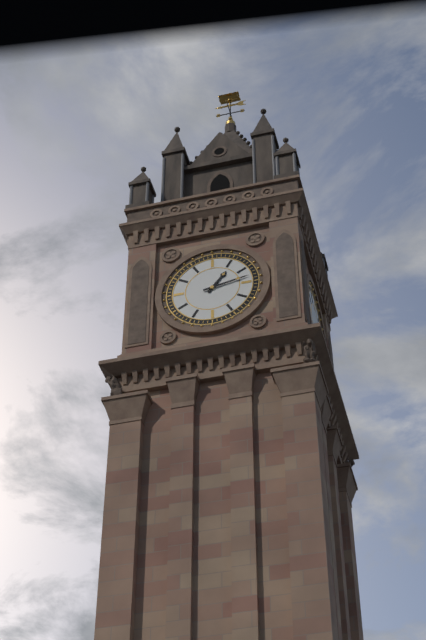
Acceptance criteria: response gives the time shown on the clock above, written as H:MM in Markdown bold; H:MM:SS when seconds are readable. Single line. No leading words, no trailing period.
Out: **1:13**
